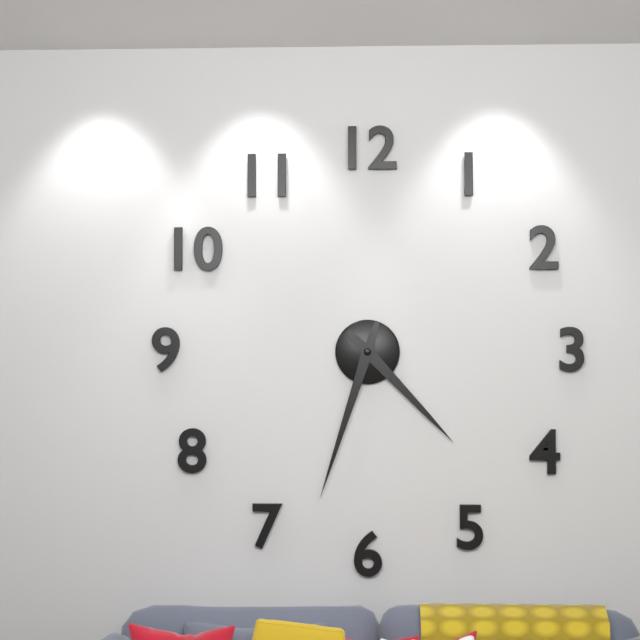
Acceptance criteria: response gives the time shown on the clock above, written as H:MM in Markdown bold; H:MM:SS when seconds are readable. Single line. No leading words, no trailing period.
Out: **4:33**
